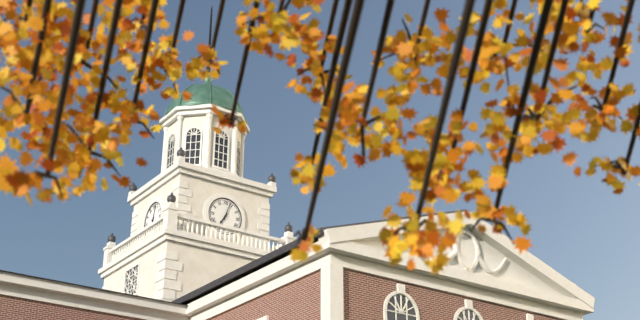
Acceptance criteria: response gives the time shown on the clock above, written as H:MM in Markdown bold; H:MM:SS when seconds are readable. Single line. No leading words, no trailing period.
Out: **7:03**
